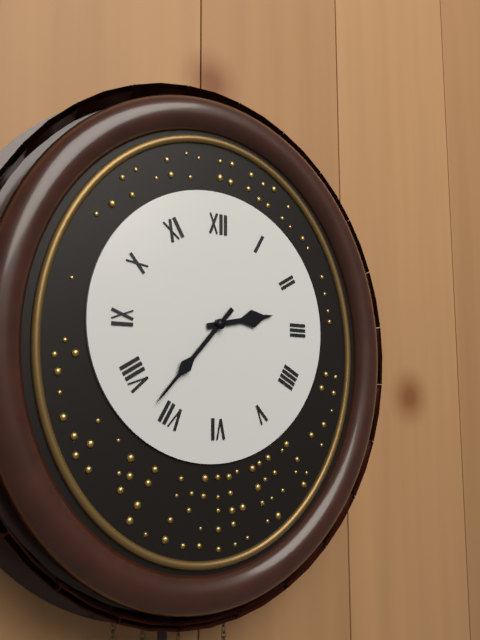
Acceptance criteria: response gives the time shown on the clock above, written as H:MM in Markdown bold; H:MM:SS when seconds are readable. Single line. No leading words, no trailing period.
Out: **2:37**
